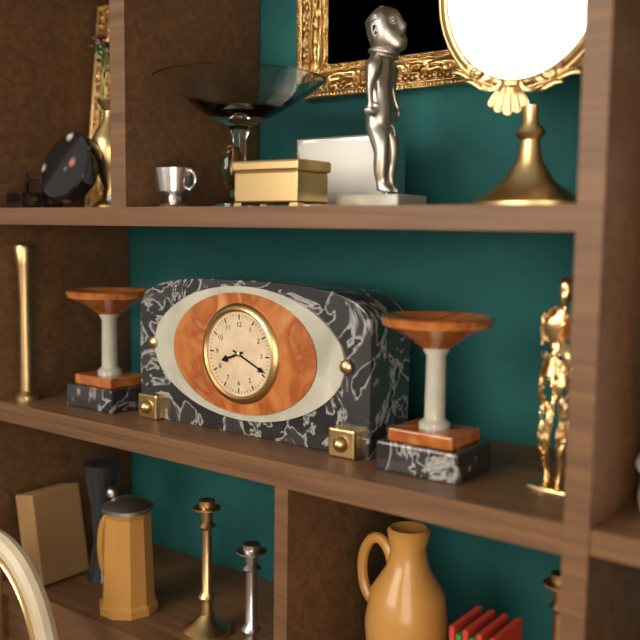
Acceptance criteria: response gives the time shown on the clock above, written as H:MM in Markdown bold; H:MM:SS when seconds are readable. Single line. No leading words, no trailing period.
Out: **8:19**
